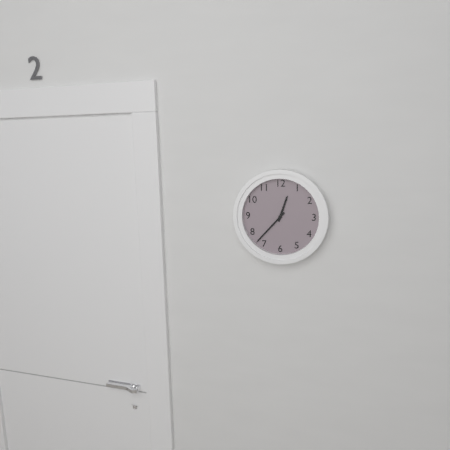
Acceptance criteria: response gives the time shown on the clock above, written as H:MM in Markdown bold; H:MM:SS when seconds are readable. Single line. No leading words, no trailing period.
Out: **12:37**
